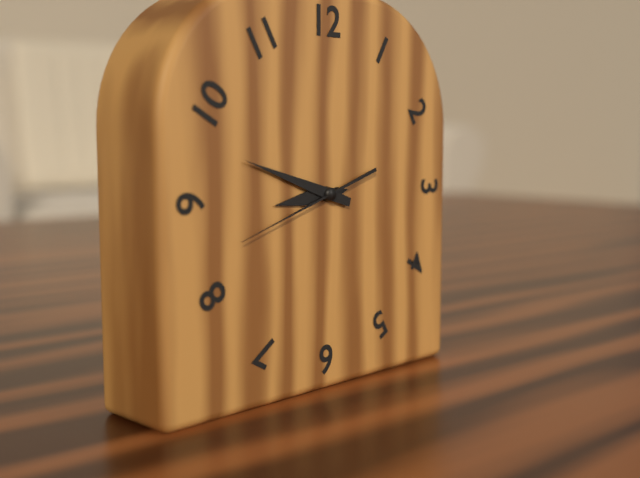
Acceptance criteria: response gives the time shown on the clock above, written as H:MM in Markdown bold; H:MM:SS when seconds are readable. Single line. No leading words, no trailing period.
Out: **8:48:42**
